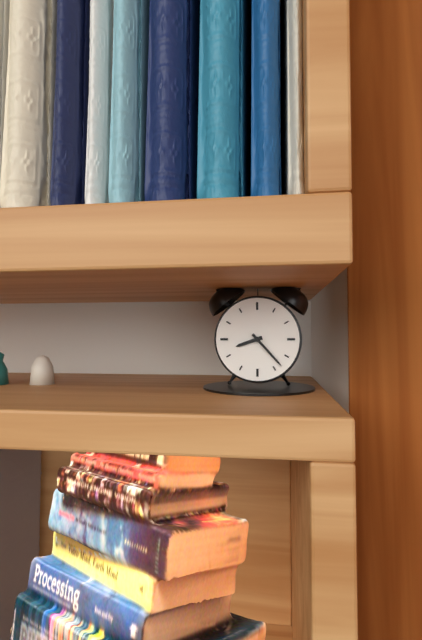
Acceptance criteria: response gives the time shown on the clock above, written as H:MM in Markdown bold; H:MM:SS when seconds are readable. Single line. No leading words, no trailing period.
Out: **8:23**
